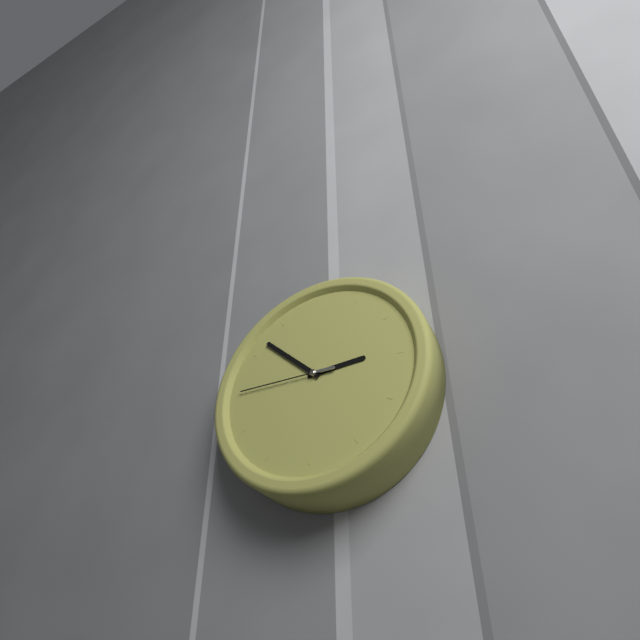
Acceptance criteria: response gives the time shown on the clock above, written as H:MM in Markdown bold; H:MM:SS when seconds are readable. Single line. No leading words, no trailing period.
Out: **2:52:45**
